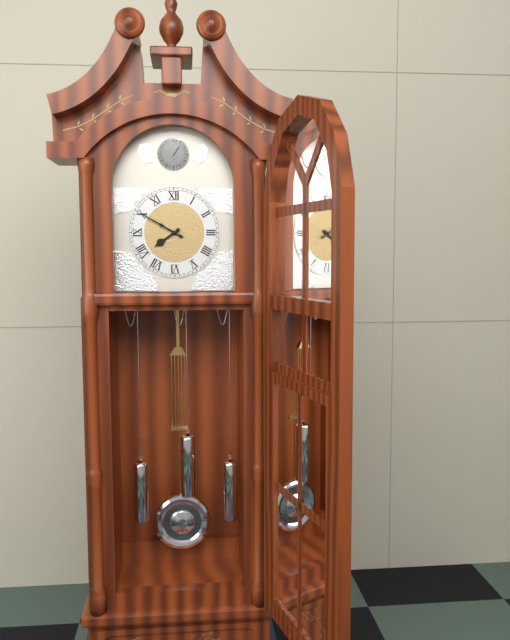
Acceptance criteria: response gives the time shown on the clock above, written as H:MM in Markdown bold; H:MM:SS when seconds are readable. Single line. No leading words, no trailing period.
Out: **7:50**
